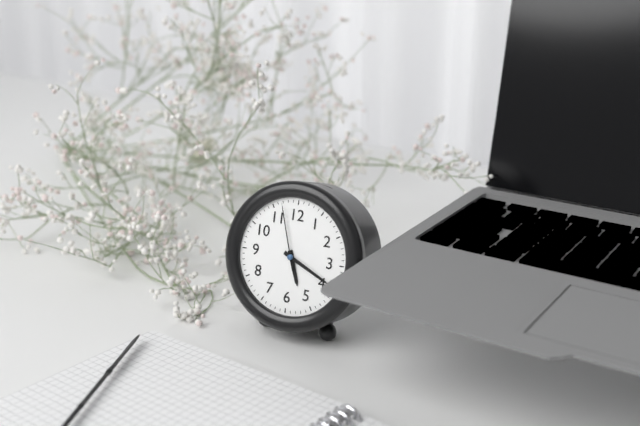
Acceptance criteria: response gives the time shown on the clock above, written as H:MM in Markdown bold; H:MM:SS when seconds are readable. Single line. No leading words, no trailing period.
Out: **5:19:57**
